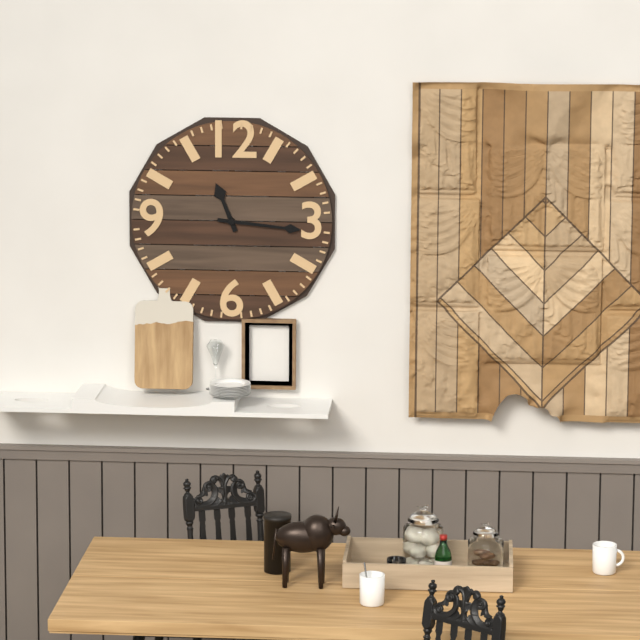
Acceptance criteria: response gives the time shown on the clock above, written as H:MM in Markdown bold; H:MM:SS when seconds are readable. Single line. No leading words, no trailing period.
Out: **11:16**
